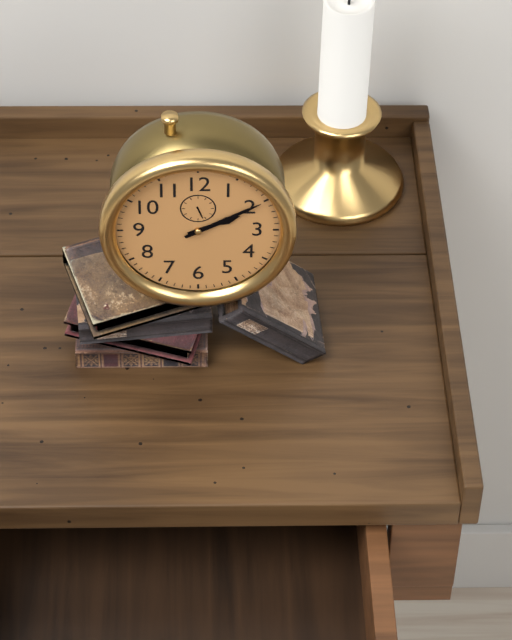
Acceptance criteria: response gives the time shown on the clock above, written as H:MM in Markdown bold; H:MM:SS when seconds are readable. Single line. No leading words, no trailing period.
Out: **2:10**
